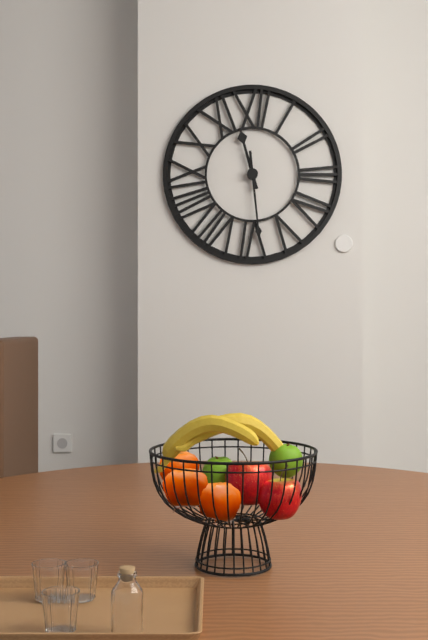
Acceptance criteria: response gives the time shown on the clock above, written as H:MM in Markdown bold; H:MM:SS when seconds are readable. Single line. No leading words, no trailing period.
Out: **11:29**
